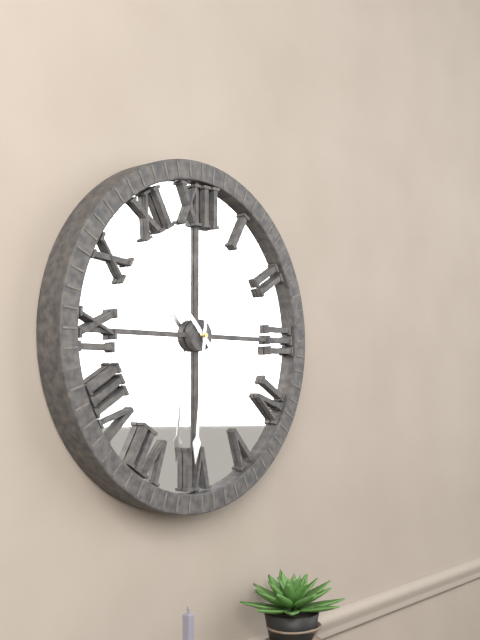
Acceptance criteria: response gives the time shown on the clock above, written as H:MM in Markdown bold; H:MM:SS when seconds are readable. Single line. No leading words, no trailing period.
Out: **10:31**
